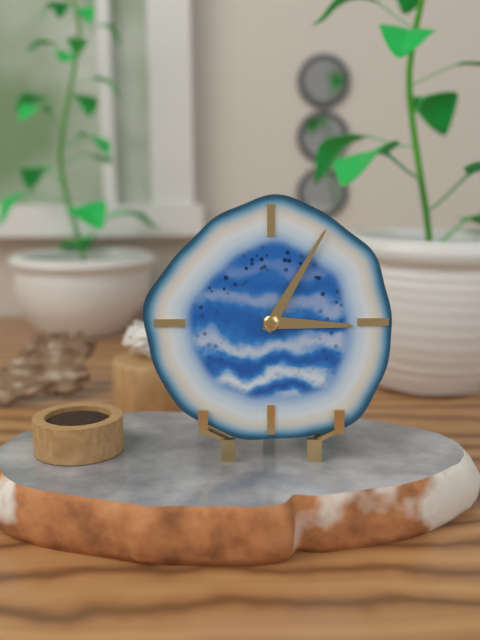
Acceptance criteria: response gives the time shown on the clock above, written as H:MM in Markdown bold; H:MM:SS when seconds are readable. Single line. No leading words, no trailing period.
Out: **3:05**
